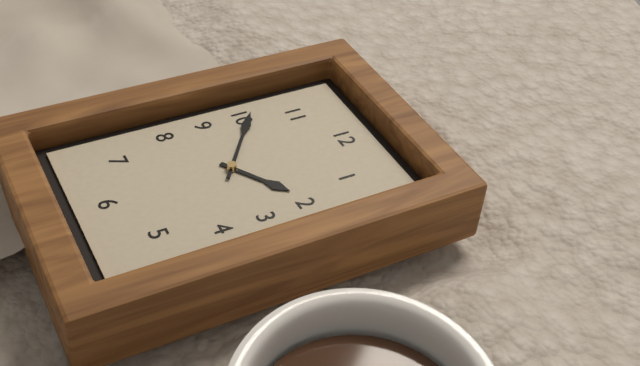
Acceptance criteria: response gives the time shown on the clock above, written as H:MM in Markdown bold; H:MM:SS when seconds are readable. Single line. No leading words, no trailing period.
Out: **1:51**
